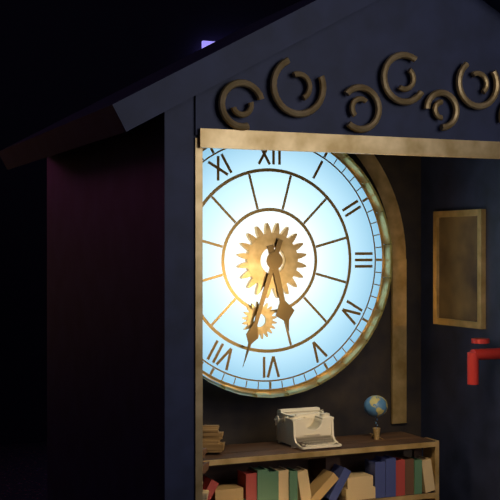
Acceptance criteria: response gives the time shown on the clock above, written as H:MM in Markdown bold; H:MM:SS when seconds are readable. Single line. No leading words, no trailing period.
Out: **5:33**
